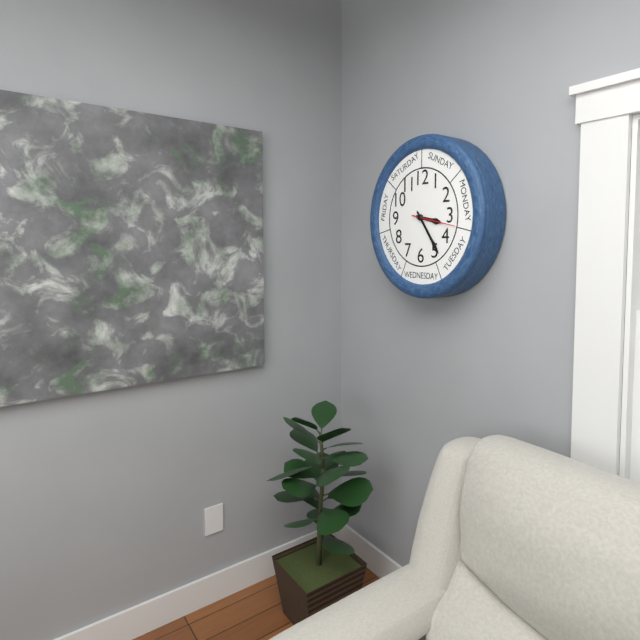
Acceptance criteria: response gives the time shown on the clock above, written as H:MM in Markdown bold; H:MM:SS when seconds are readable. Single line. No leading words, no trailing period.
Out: **3:24**
